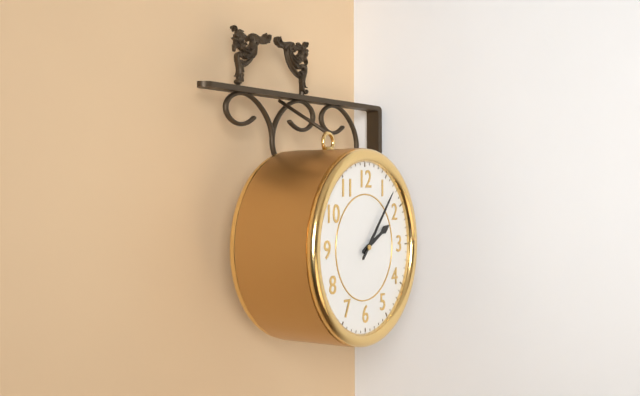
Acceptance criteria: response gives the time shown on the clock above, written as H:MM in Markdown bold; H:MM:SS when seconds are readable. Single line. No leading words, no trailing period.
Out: **2:07**
